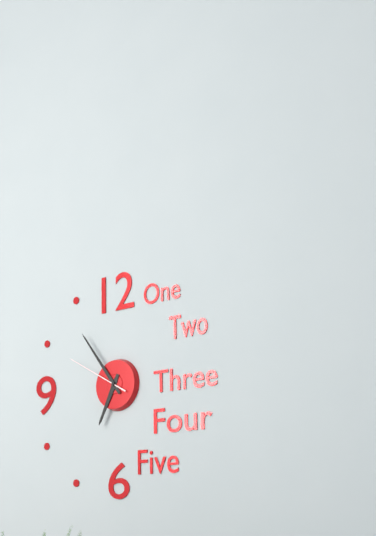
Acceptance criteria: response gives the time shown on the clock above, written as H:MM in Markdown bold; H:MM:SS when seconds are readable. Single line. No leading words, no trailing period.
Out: **6:54:50**
